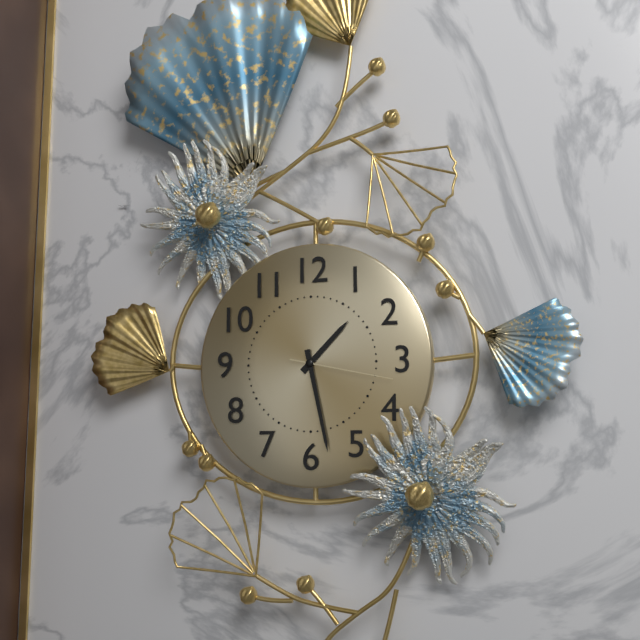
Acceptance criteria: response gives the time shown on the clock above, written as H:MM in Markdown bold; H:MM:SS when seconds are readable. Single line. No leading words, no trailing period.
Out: **1:28:17**
